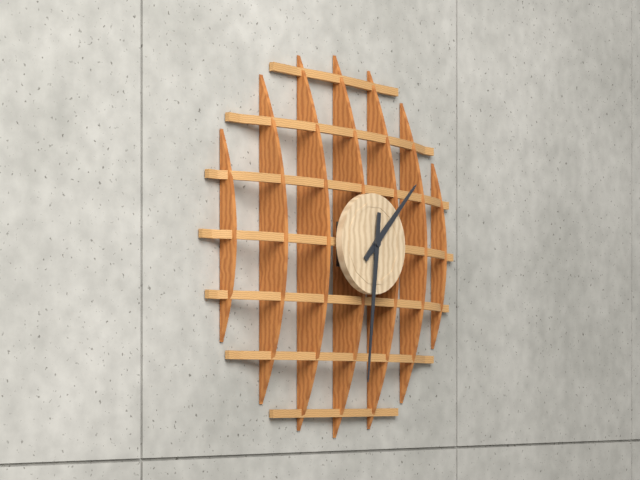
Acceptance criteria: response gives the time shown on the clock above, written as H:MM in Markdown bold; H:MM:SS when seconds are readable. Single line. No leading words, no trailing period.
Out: **1:31**
